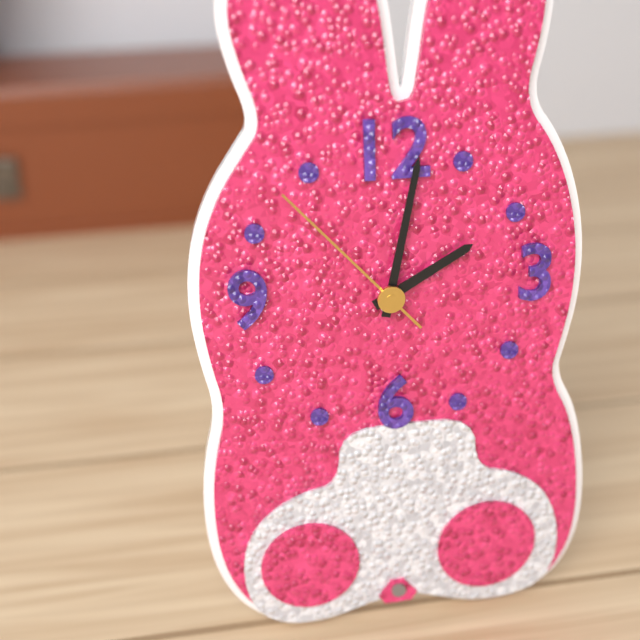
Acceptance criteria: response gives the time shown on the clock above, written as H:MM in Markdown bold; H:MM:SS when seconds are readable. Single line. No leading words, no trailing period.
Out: **2:02:53**
